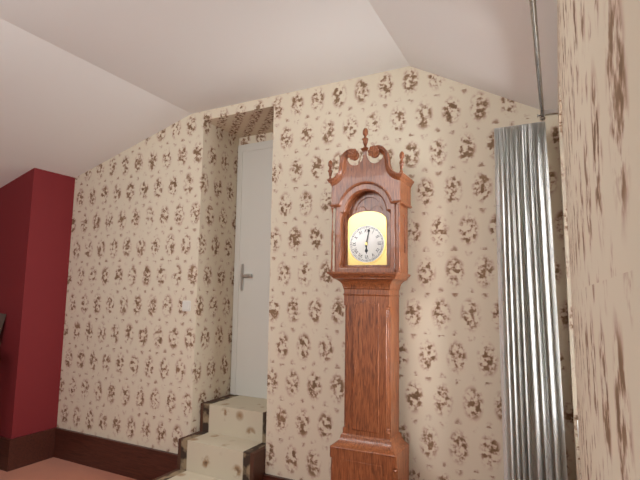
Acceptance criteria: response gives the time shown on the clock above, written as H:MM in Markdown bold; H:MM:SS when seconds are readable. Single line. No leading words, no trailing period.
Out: **6:02**
